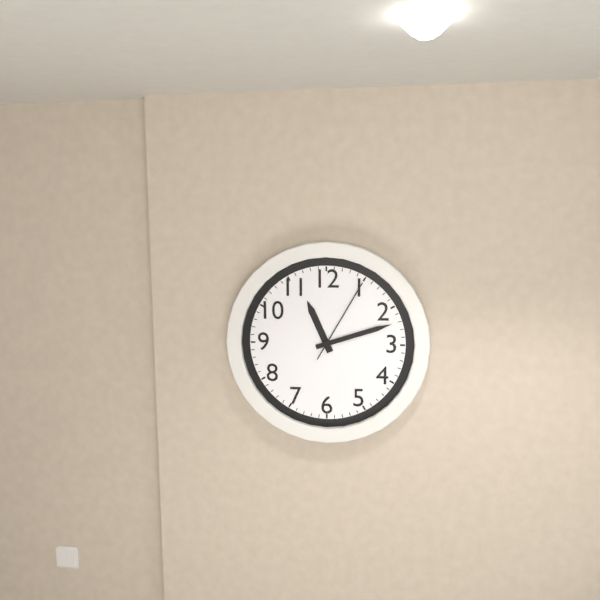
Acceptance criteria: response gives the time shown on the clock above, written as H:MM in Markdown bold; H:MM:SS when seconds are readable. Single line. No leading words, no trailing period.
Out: **11:12:05**
